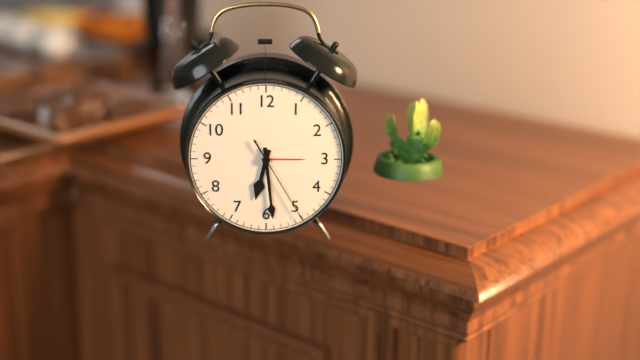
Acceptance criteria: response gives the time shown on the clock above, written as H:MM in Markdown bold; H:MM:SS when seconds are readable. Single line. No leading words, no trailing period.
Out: **6:29:25**
